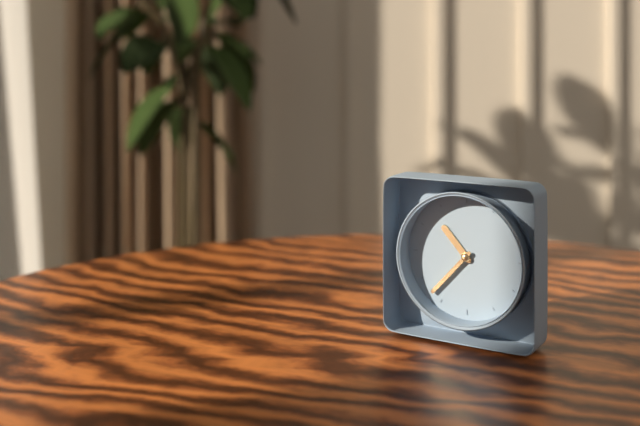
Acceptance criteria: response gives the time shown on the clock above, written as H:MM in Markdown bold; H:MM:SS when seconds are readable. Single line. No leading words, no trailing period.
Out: **10:37**
